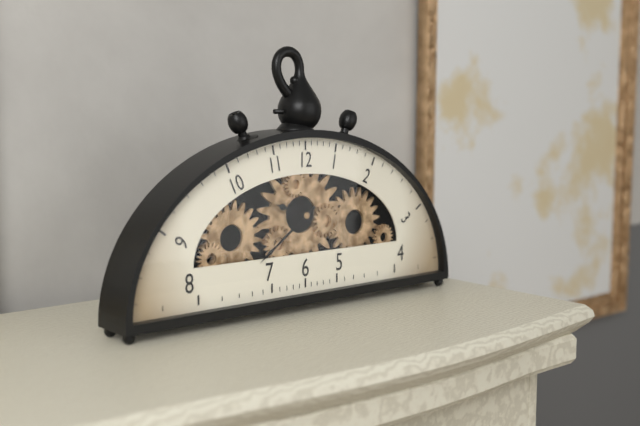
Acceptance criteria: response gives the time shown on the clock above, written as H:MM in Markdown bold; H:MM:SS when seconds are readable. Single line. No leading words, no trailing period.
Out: **9:39**
